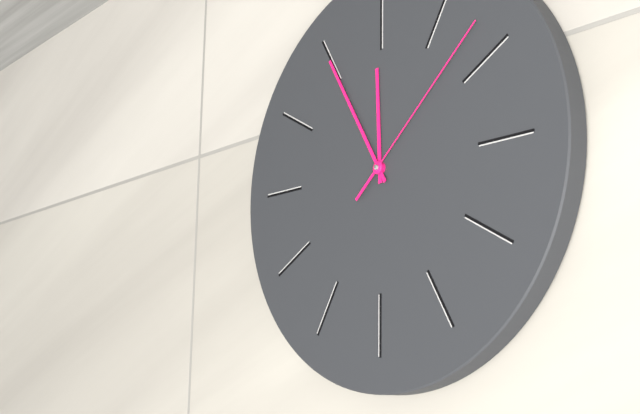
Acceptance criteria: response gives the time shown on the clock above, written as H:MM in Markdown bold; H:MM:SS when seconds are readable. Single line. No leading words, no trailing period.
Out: **11:55:08**
